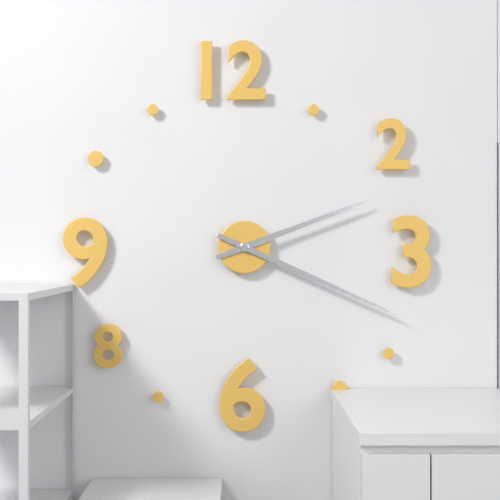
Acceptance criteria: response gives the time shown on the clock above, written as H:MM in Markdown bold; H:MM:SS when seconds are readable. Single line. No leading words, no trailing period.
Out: **2:19**
